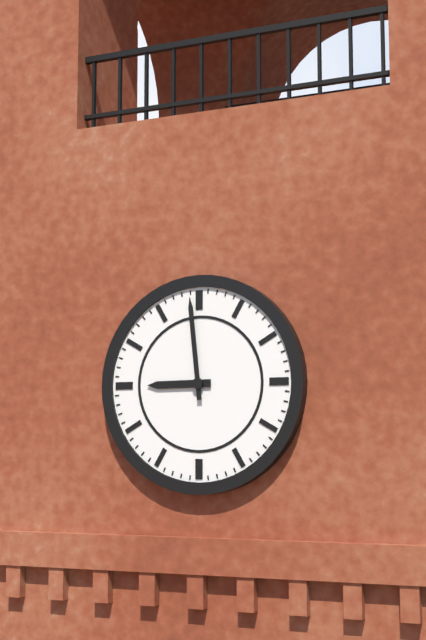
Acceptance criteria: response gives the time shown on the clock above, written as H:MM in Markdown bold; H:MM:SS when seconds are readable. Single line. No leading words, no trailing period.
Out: **8:59**
